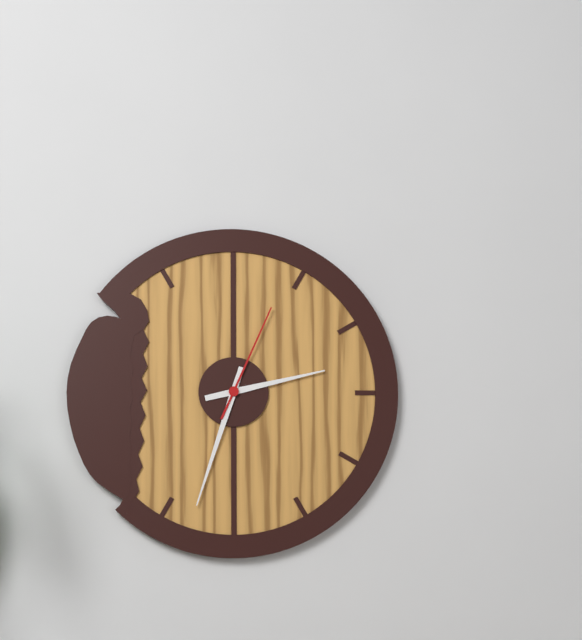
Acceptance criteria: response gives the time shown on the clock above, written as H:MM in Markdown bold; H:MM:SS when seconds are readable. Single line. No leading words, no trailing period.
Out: **2:33:04**
